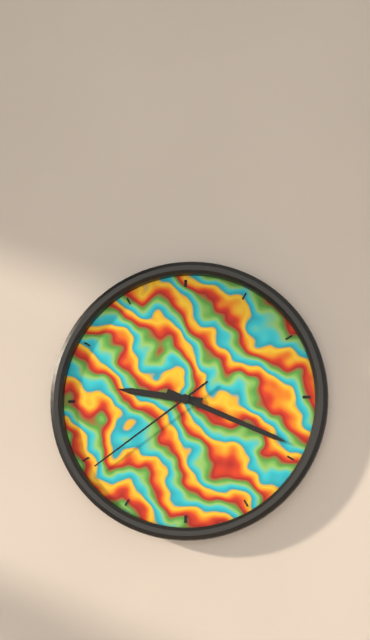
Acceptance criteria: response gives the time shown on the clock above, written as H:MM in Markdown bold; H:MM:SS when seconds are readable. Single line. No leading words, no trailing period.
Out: **9:19:39**
